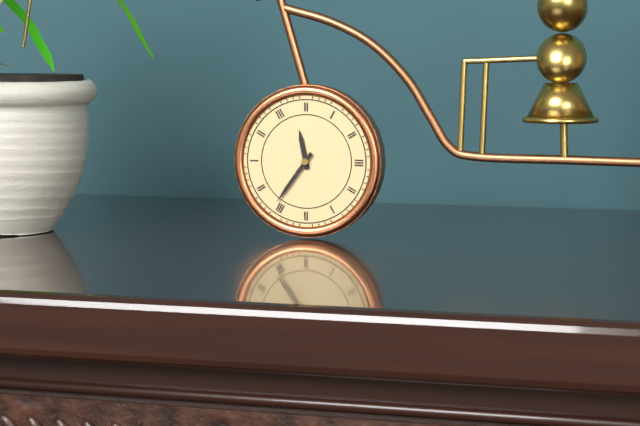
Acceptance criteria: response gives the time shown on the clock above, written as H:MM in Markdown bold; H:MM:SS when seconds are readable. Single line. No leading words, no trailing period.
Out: **11:36**
